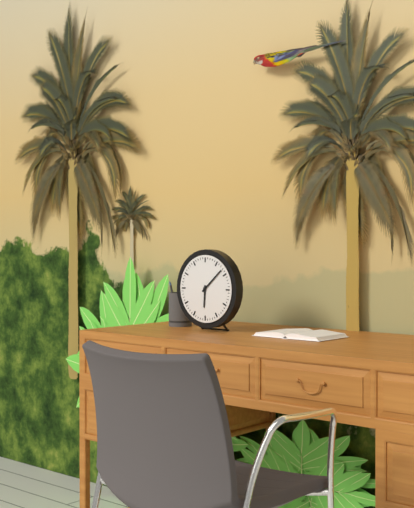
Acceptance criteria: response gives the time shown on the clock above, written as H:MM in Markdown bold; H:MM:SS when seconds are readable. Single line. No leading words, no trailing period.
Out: **6:08**
